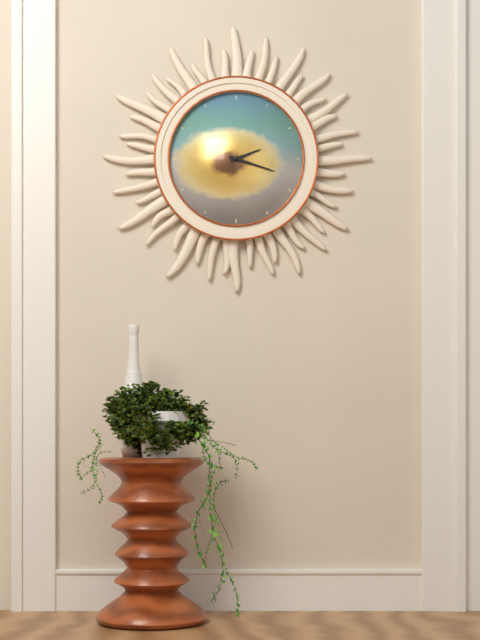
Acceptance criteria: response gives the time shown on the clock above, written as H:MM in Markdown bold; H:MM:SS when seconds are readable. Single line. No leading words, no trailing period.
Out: **2:18**
